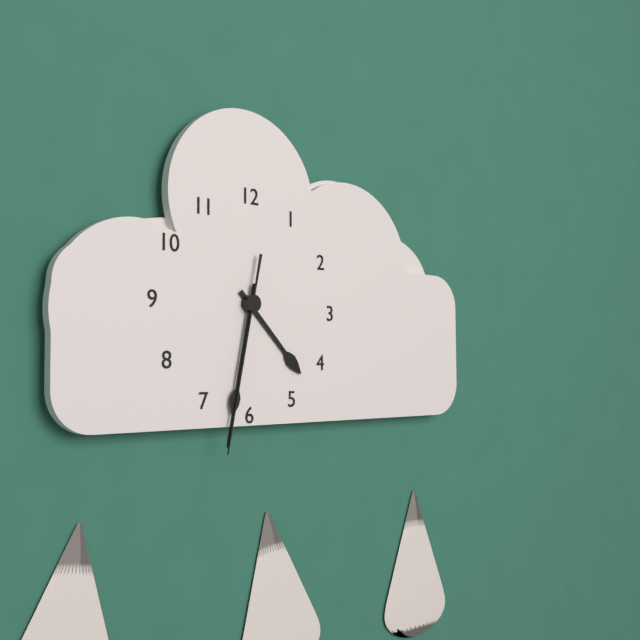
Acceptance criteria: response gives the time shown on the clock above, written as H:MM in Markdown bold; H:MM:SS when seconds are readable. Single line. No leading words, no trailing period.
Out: **4:32:32**
